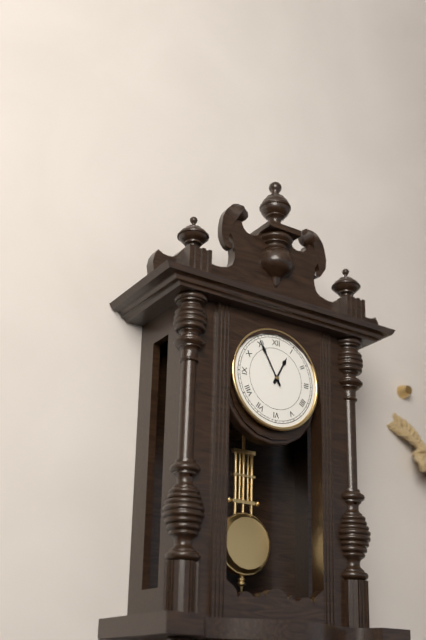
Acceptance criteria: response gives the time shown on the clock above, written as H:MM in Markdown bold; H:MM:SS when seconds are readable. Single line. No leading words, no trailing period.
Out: **12:55**
